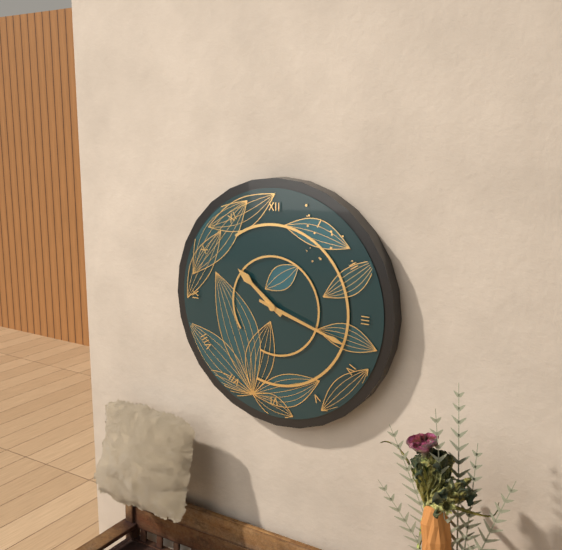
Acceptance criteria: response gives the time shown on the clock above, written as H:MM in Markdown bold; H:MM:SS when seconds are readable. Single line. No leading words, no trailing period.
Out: **10:18**
